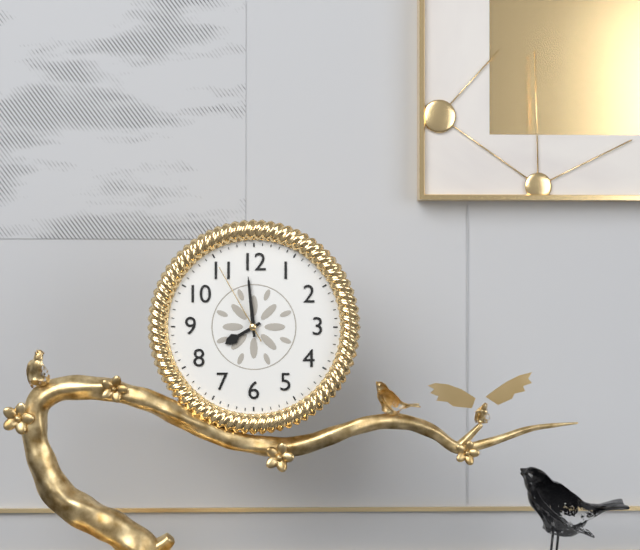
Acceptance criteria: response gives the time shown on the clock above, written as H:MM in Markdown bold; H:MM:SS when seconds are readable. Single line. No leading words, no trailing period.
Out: **7:59:55**
